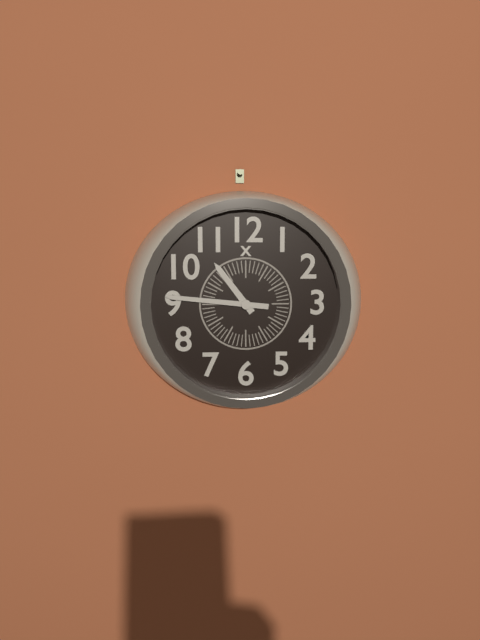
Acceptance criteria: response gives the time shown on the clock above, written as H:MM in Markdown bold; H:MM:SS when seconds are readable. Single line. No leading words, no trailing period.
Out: **10:46**
